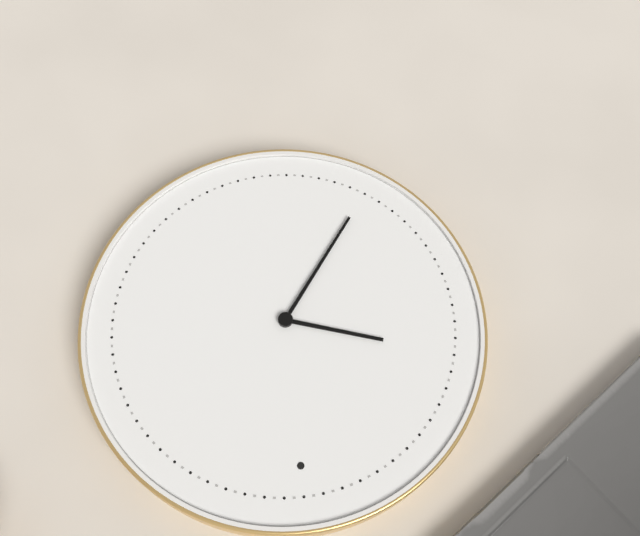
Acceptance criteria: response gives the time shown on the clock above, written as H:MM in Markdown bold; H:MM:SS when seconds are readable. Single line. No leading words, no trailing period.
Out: **9:36**
